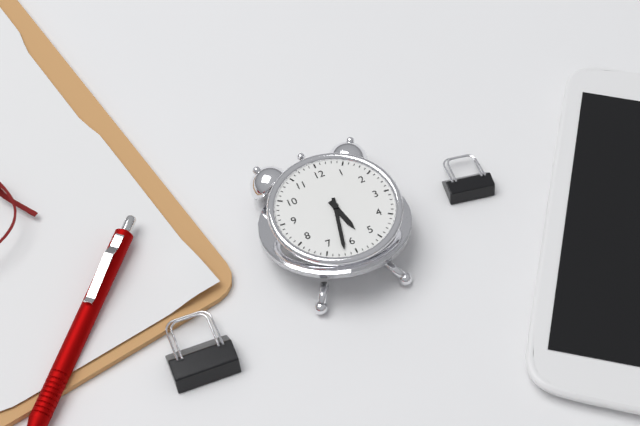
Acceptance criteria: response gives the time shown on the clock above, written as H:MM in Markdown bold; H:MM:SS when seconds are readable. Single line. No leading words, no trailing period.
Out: **5:32**
